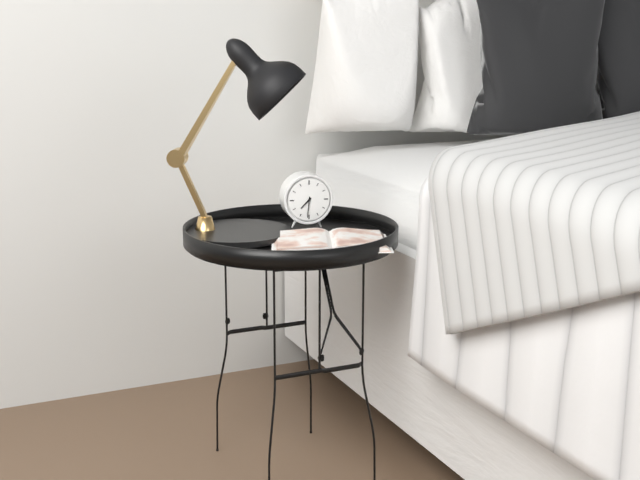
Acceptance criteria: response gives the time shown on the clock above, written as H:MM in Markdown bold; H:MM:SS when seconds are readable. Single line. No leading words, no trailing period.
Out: **7:31**
